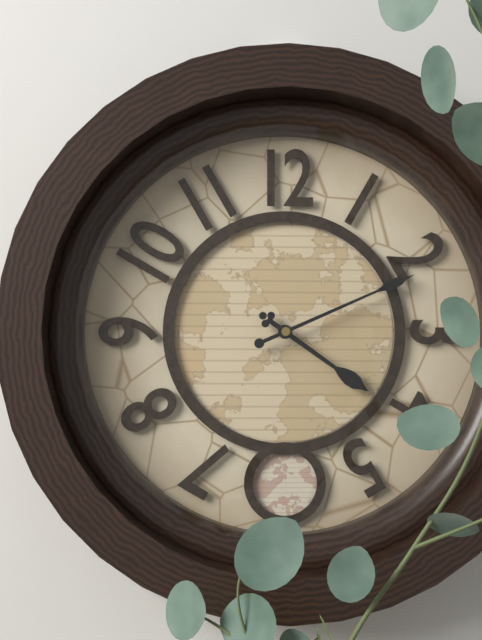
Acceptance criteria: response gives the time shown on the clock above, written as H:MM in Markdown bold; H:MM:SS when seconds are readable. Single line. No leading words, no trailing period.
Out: **4:11**
